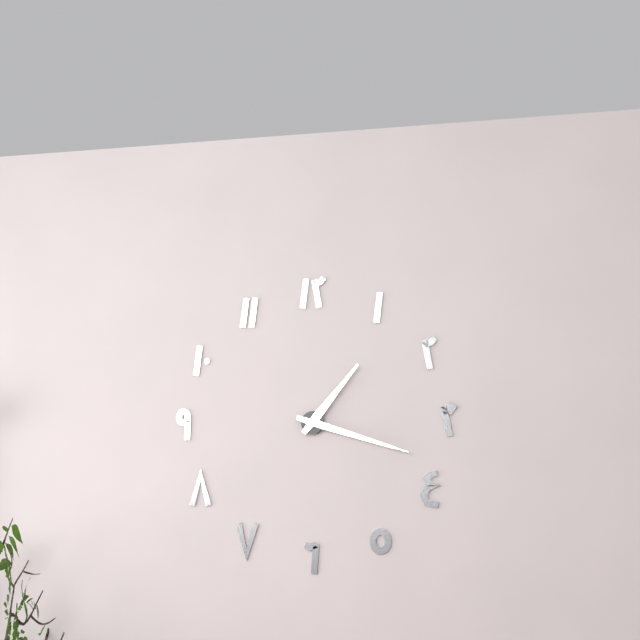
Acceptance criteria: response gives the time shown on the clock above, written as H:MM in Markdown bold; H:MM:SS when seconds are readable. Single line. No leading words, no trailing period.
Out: **1:18**
